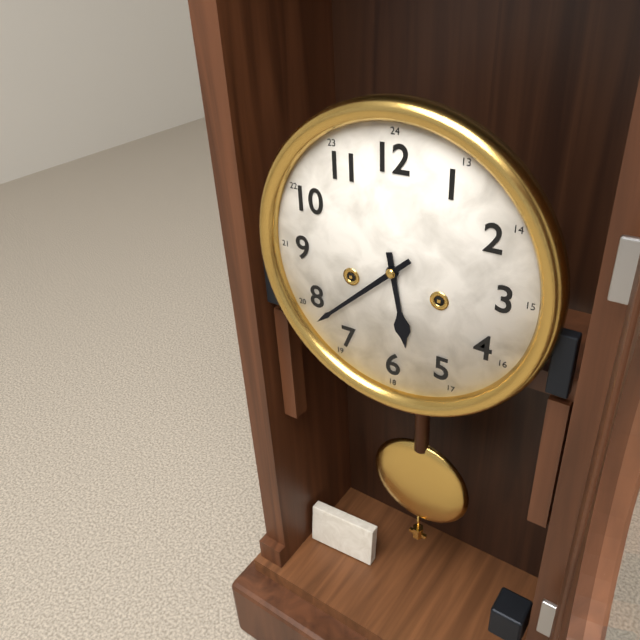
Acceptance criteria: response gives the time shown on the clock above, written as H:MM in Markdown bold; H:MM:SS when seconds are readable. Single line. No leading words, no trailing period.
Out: **5:38**
